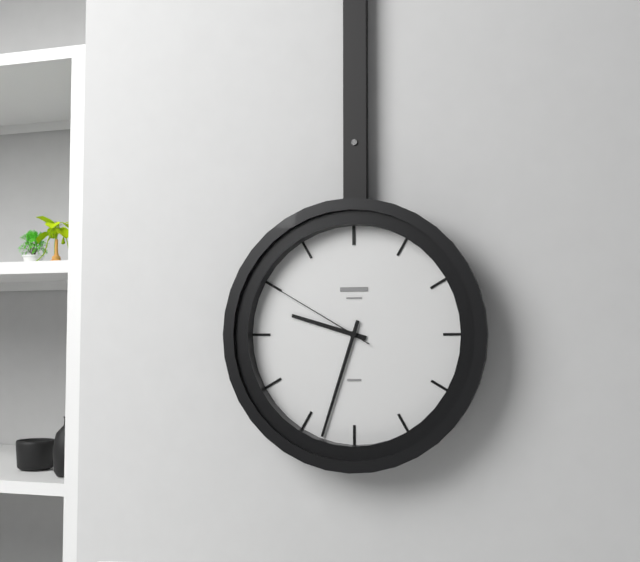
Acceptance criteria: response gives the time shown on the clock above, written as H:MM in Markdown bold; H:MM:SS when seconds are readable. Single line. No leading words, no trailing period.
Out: **9:33:50**
